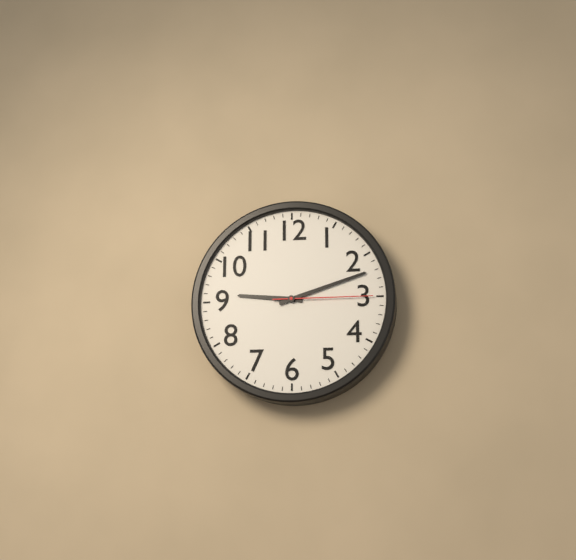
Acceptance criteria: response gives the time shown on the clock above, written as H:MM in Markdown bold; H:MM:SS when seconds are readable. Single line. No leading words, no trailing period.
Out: **9:12:15**
